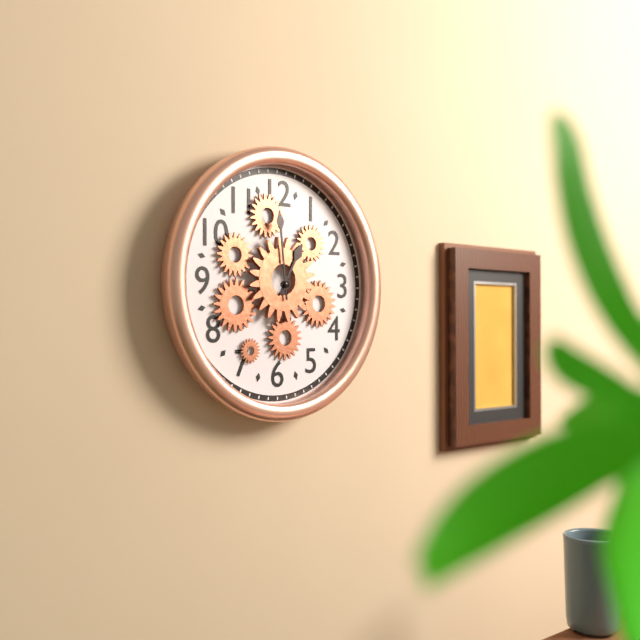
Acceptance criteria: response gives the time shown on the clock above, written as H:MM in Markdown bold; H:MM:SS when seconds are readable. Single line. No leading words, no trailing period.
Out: **12:59**
